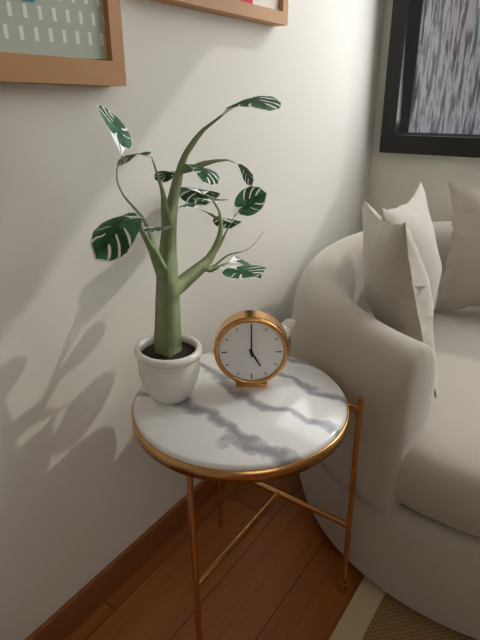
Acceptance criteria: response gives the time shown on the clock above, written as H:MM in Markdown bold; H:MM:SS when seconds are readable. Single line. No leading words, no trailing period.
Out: **5:00**
